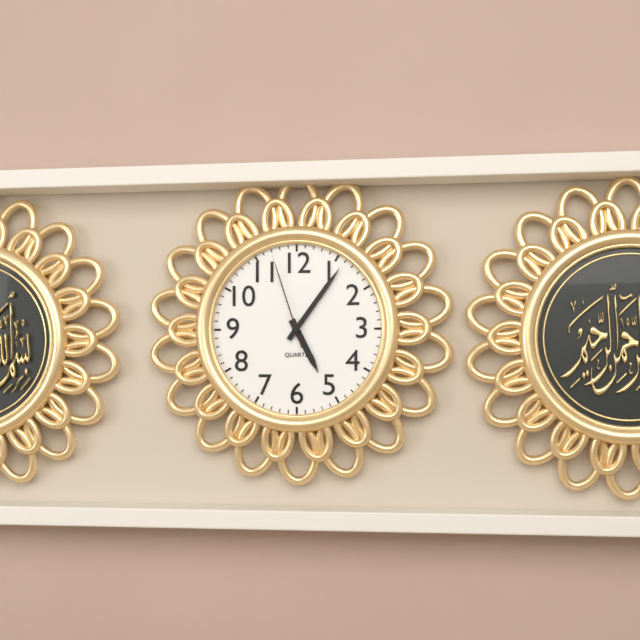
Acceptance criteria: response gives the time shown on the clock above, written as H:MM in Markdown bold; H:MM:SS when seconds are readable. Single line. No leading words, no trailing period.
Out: **5:06:57**
